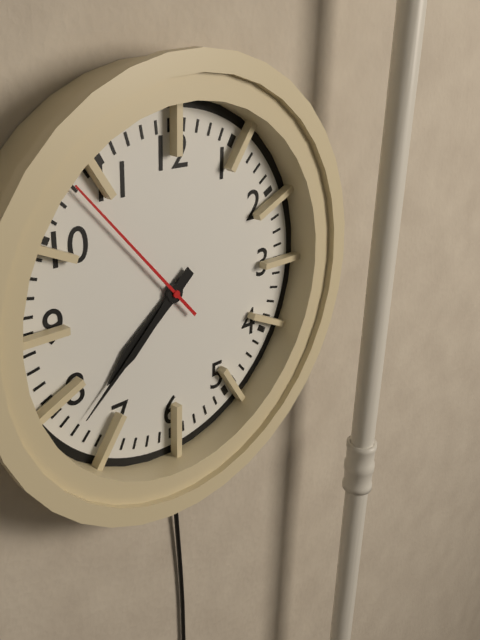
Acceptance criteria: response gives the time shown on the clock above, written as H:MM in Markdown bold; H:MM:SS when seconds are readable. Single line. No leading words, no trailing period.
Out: **7:38:53**
